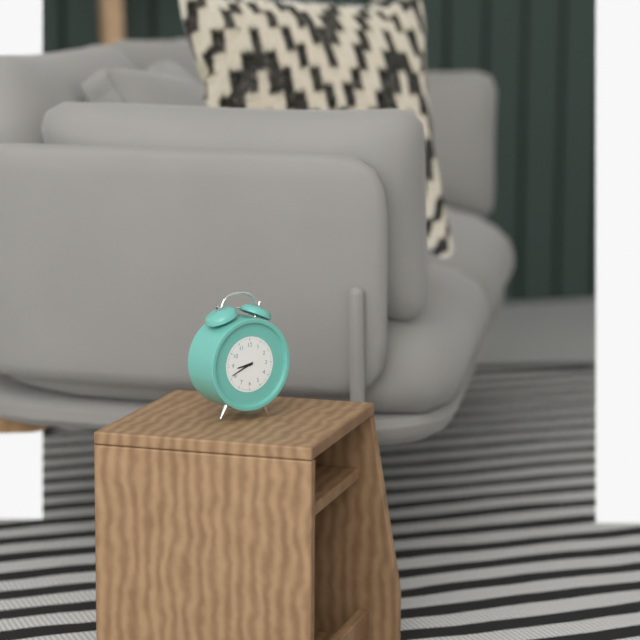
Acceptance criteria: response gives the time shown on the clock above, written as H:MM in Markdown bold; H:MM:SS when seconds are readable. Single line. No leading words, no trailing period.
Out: **8:41**
